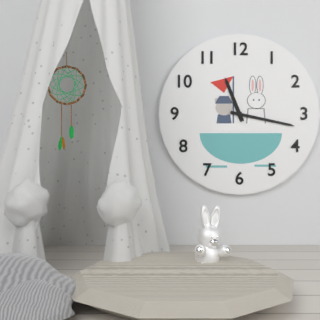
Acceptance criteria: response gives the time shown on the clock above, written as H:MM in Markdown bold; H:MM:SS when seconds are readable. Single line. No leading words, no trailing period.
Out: **11:17**
